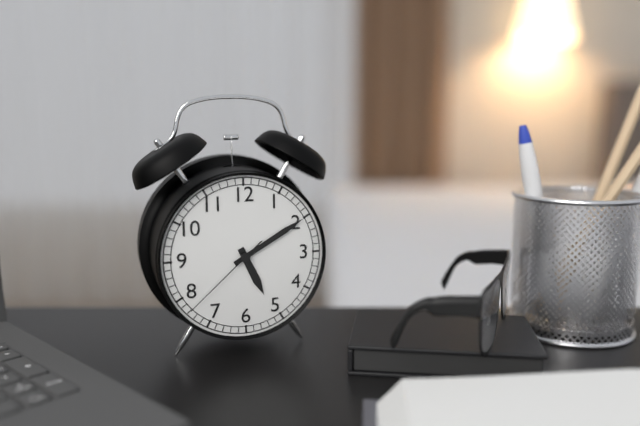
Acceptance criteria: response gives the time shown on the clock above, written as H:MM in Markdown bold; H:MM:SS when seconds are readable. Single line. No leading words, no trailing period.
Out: **5:10:38**
